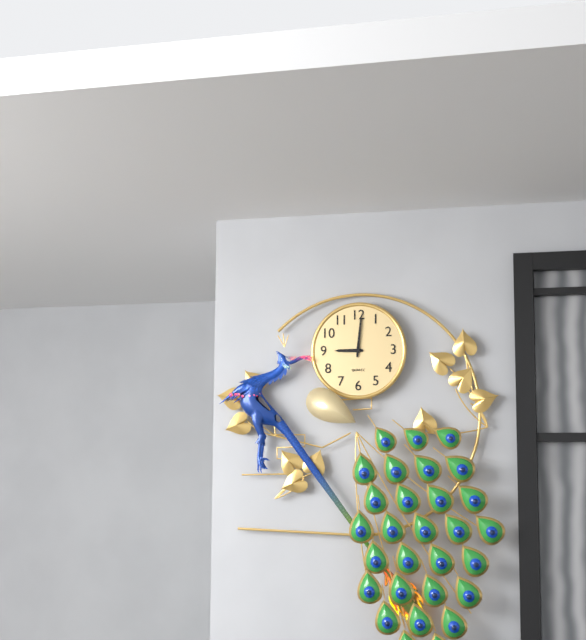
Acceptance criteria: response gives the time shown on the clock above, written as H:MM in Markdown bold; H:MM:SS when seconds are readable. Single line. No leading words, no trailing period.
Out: **9:01**
